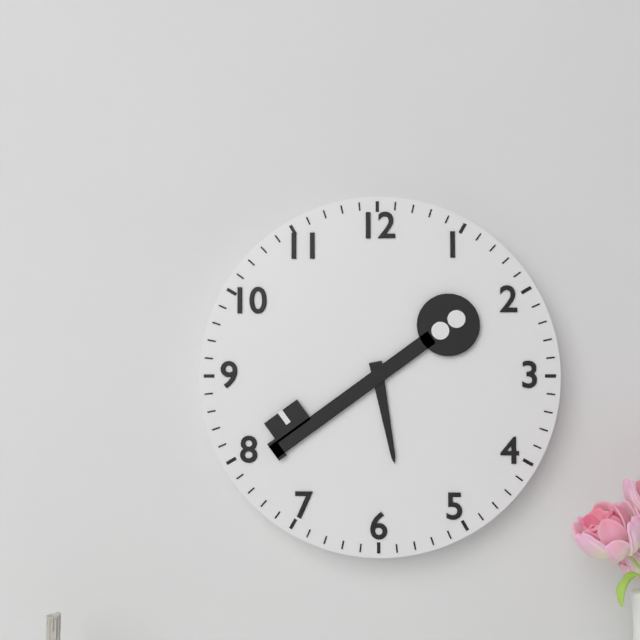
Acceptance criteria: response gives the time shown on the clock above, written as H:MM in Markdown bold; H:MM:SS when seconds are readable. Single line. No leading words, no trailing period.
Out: **5:39**
